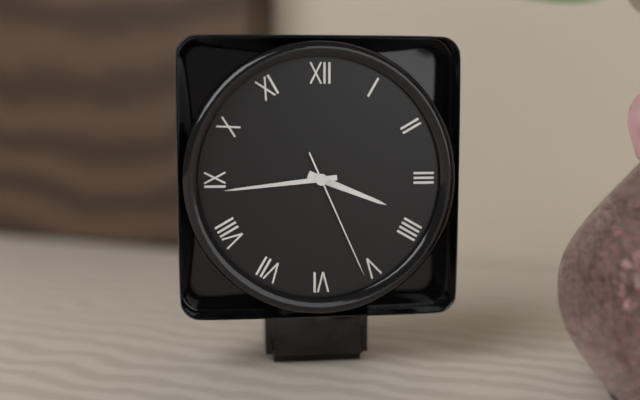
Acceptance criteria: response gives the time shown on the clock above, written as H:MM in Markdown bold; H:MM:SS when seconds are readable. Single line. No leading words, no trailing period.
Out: **3:44:26**
